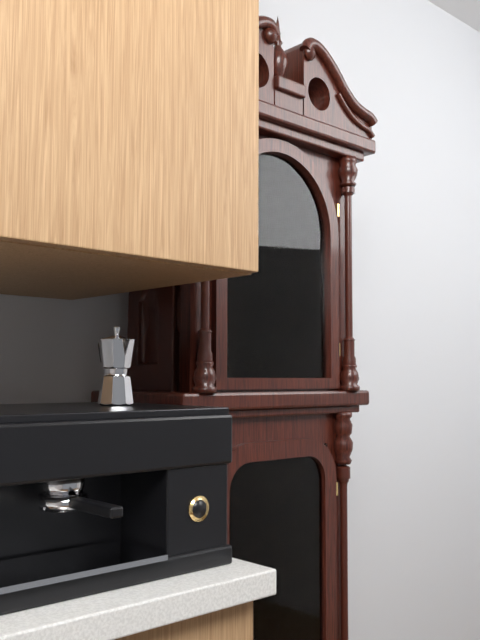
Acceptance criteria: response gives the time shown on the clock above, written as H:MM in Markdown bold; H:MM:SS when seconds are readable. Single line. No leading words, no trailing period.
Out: **8:02**
